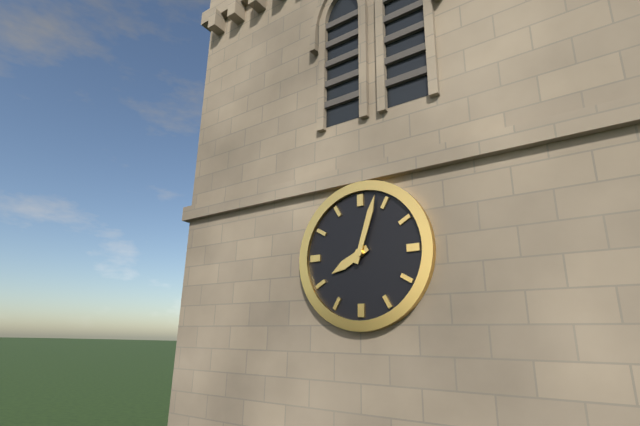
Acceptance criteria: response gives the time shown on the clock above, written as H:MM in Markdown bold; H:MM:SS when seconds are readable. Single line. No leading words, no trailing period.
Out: **8:03**
